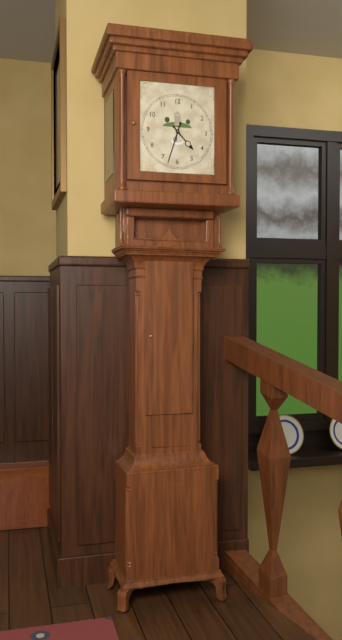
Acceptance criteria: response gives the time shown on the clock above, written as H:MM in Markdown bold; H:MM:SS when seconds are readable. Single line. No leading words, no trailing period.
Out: **4:33**
